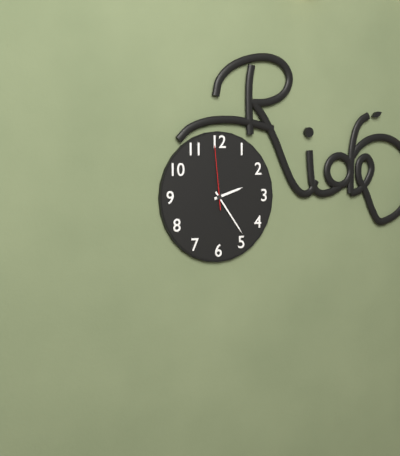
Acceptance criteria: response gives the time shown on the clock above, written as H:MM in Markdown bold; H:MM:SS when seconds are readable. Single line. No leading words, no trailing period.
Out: **2:24:59**
